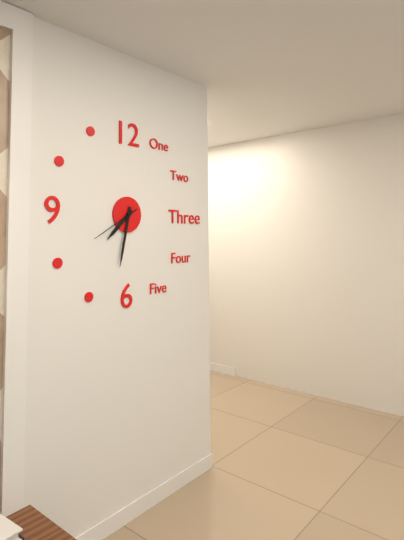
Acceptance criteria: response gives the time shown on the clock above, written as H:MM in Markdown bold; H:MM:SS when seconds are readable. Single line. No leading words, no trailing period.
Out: **7:32**
